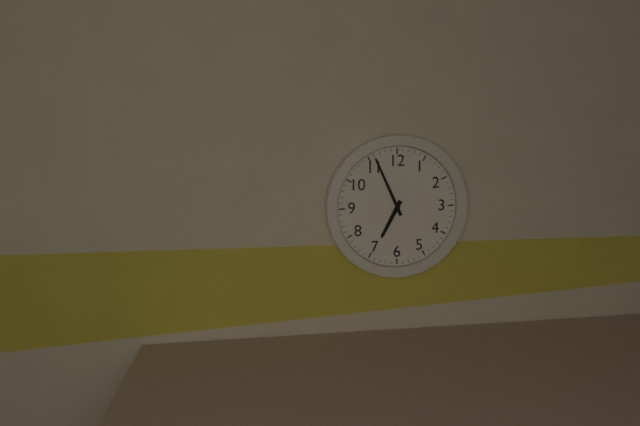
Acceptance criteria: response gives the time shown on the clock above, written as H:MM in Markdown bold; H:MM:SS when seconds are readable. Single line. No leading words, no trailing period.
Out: **6:56**
